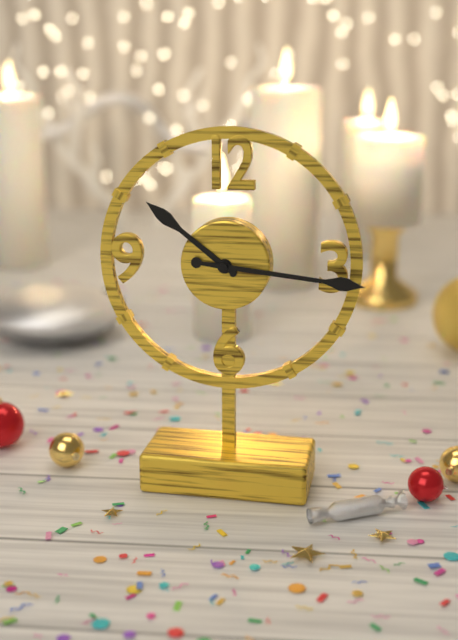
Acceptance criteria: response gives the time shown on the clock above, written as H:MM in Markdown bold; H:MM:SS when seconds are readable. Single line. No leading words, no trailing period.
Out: **10:16**
